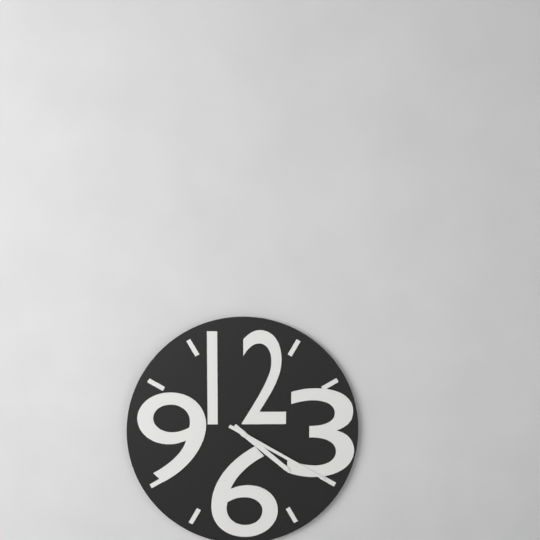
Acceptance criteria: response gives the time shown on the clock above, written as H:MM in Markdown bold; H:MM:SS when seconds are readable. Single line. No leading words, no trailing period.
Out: **4:20**
